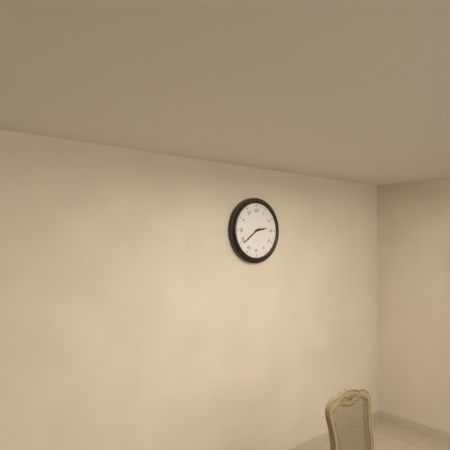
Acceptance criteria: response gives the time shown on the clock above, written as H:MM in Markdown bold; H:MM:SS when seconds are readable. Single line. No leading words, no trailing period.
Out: **2:39**
